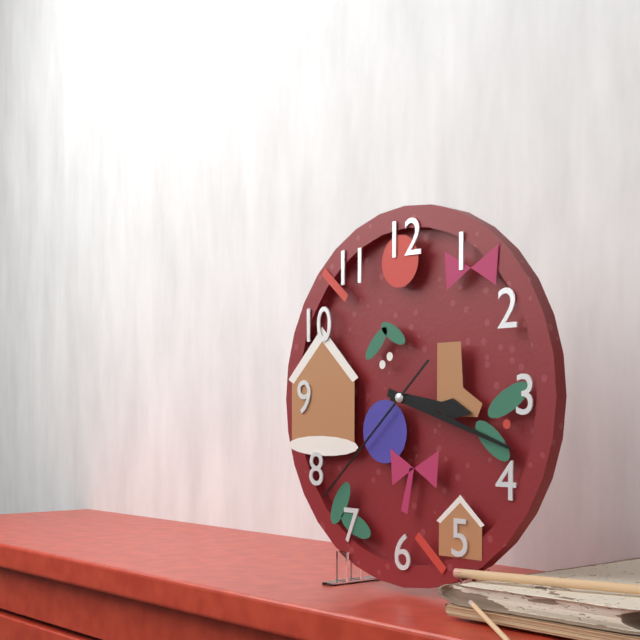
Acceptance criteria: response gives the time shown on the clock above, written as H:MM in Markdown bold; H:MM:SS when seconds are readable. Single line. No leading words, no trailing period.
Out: **3:18:38**
